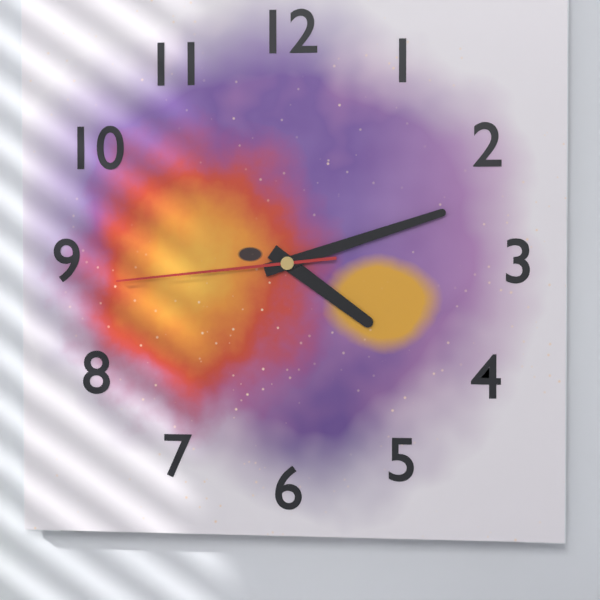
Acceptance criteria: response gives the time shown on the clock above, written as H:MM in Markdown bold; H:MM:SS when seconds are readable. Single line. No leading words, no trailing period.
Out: **4:12:44**
